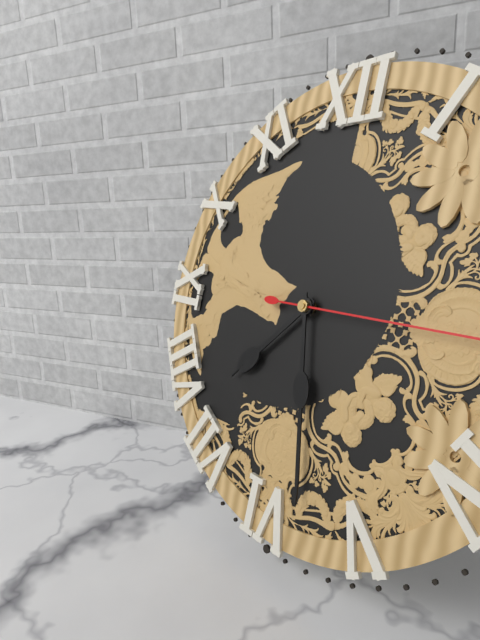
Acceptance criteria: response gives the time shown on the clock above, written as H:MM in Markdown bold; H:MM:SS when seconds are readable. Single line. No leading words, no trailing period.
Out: **7:28**
